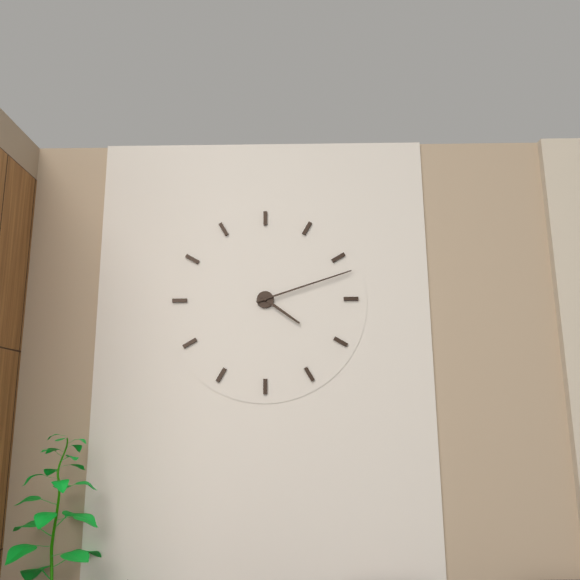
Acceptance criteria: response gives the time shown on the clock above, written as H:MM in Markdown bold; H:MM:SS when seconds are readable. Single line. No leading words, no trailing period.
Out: **4:12**
